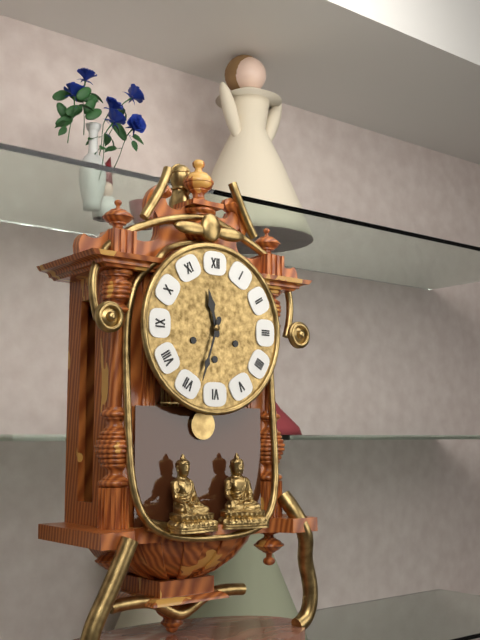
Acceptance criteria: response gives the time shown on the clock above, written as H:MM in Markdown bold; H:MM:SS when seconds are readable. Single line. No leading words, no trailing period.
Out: **11:33**
